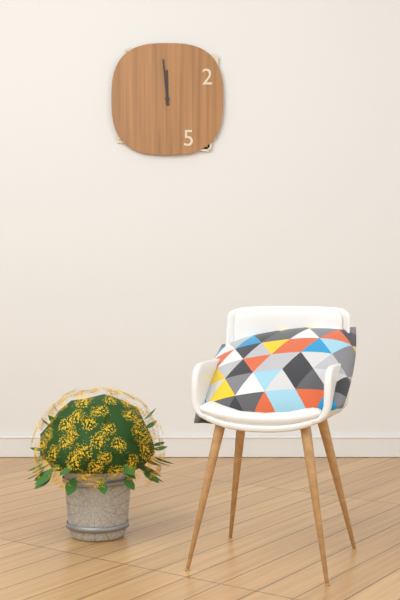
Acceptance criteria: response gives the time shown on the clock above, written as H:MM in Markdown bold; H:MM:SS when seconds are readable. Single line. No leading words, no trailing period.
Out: **11:59**
